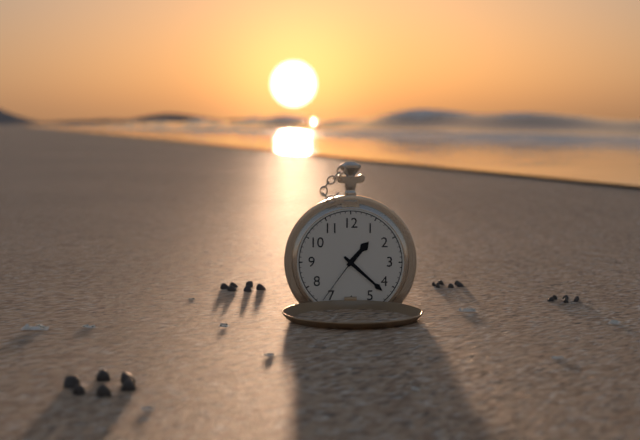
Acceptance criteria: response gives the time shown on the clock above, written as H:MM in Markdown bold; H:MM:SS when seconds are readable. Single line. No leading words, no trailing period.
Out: **1:22:36**
